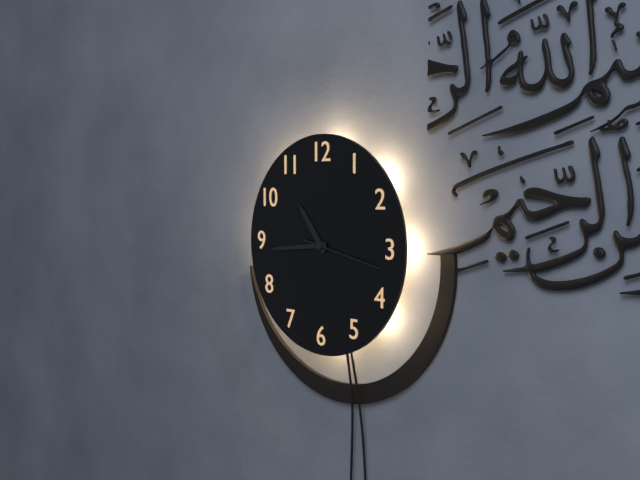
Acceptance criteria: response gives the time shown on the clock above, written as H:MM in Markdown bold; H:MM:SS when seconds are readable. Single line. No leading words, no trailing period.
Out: **10:44:17**
